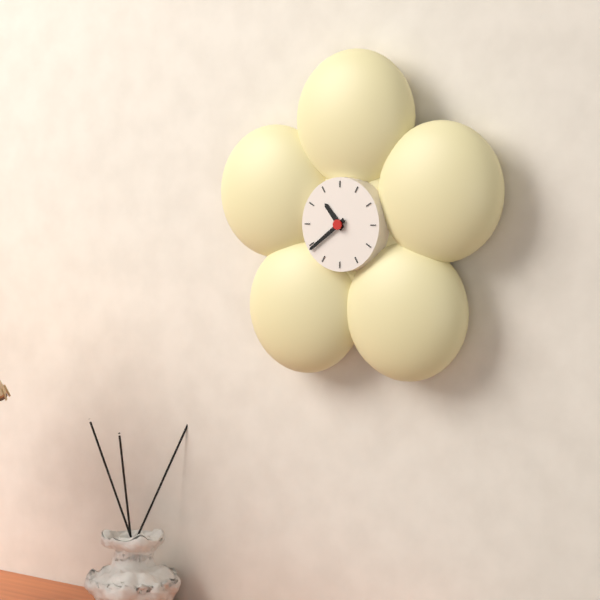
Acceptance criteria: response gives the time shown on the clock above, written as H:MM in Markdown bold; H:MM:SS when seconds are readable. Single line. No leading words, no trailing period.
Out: **10:39**
